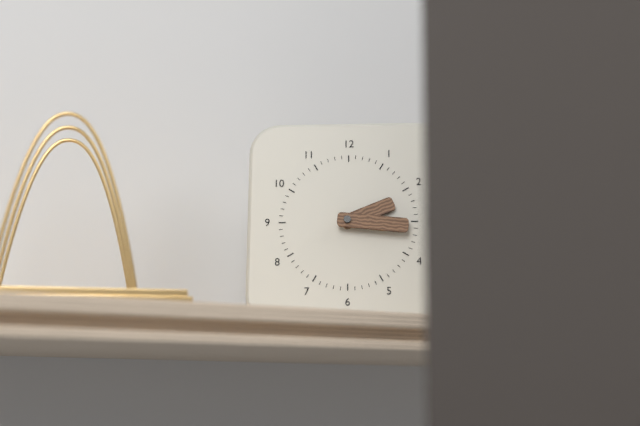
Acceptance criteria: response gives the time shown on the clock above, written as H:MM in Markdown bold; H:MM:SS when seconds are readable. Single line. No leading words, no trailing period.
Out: **2:16**
